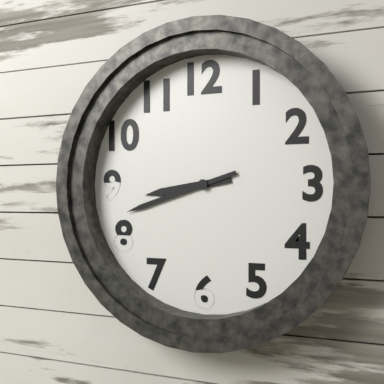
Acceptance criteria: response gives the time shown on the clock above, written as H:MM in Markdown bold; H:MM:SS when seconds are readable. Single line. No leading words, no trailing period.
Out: **8:42**
